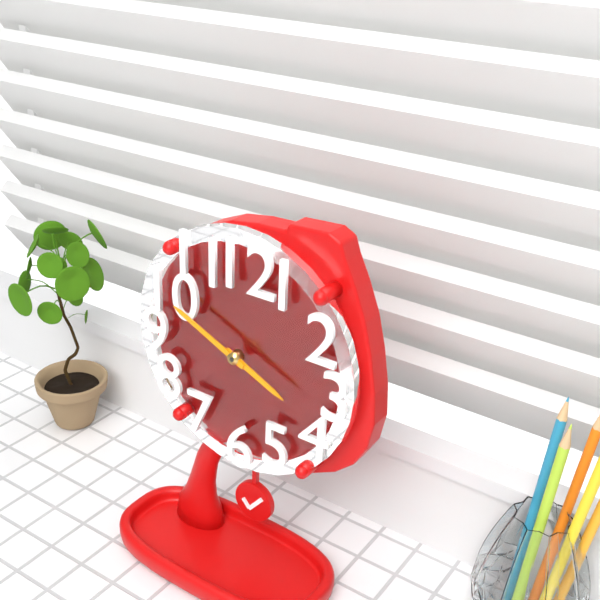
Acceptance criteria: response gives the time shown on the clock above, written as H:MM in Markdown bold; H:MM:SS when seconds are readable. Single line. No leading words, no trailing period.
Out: **3:49**
